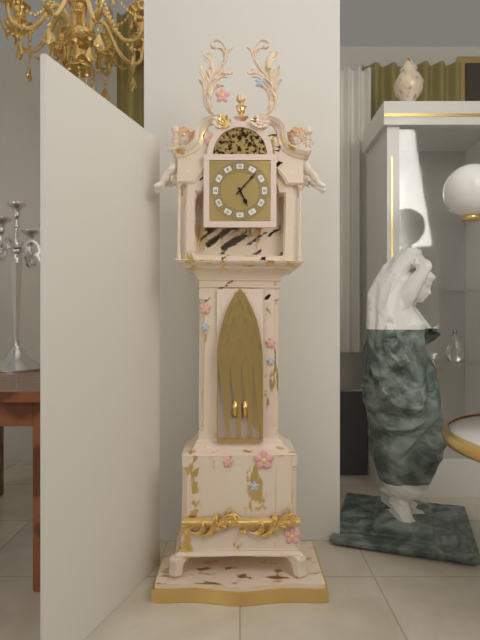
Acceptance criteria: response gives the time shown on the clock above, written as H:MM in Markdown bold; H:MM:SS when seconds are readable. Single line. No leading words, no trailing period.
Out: **5:07**
